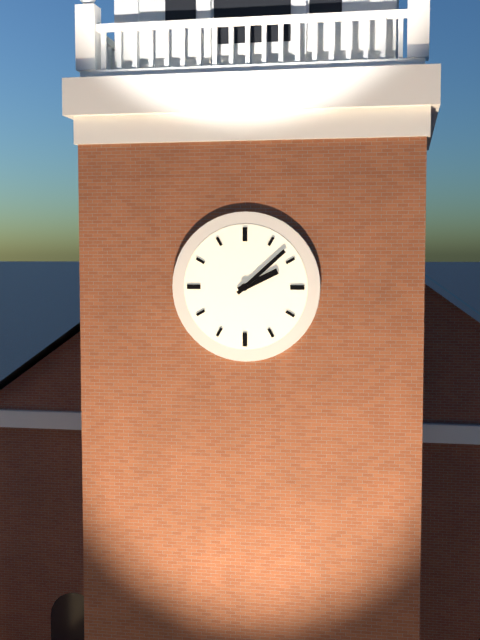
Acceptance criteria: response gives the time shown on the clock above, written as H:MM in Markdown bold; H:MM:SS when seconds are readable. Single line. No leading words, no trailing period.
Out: **2:08**
